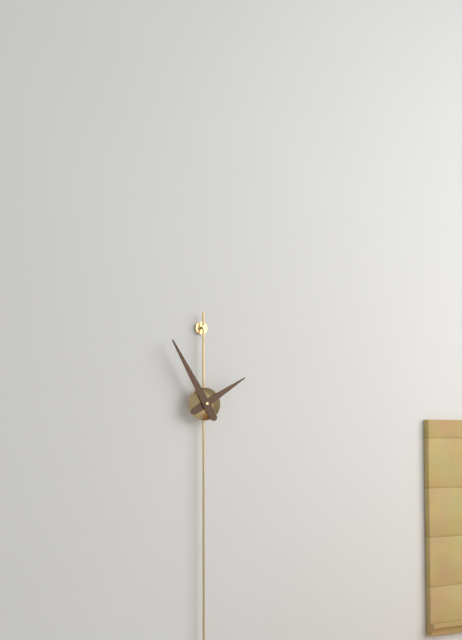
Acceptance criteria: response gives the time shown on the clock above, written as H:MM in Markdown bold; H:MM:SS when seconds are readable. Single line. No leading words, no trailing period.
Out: **1:55**
